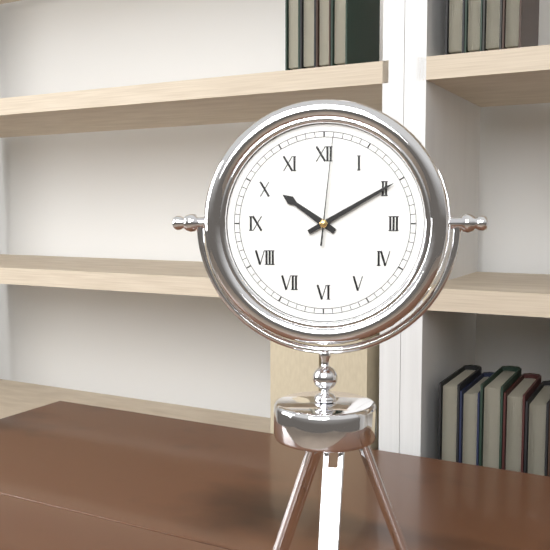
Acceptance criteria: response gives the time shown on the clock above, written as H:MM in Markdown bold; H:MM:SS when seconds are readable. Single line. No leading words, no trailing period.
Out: **10:10:01**
